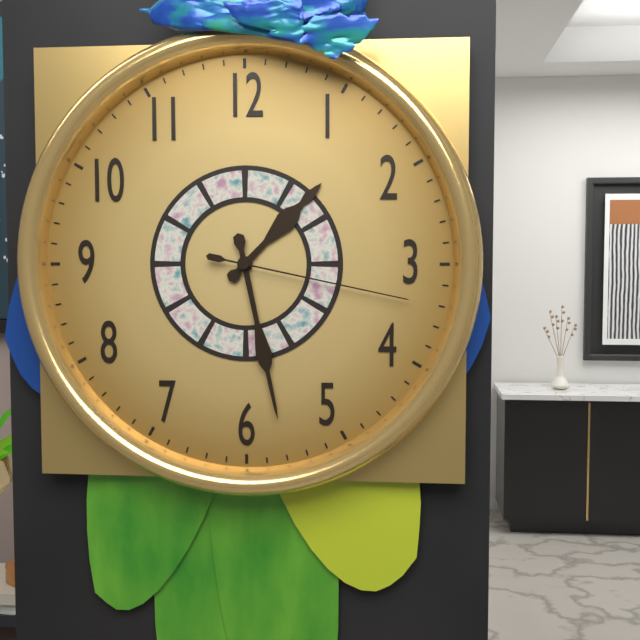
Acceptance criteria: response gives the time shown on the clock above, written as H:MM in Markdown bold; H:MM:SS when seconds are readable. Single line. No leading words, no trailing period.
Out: **1:28:17**
